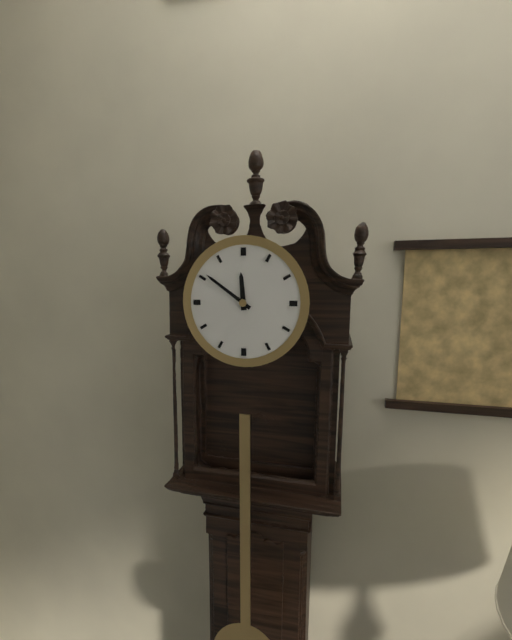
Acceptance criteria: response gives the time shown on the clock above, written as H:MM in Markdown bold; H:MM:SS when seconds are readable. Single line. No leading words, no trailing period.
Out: **11:51**
